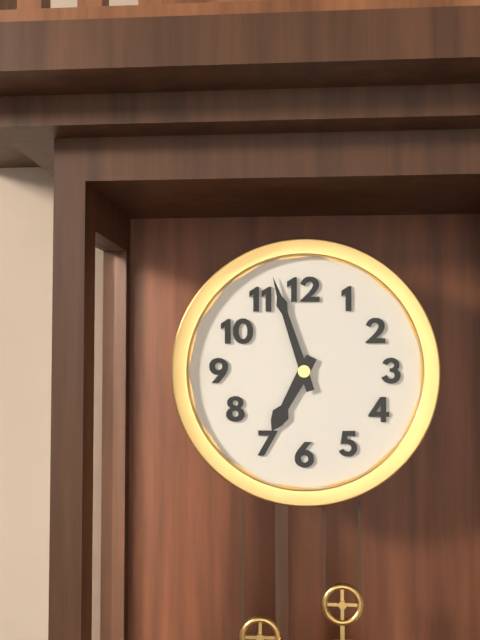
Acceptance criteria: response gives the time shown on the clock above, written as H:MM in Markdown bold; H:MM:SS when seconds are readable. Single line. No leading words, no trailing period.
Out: **6:57**
